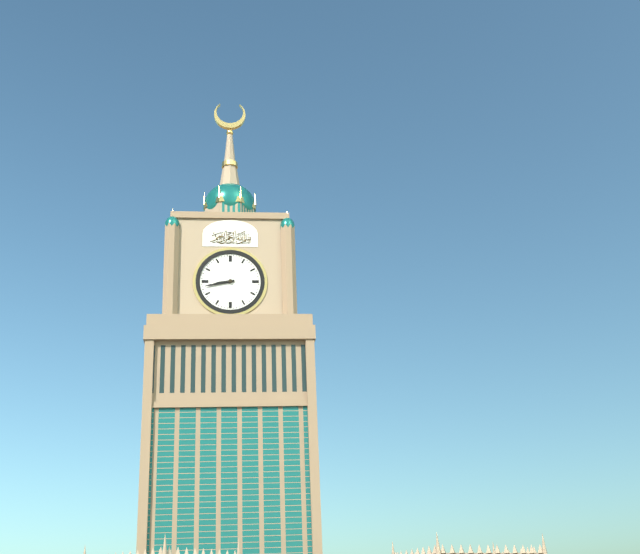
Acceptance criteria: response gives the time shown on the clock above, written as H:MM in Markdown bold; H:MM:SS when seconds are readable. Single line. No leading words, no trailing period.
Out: **8:43**
